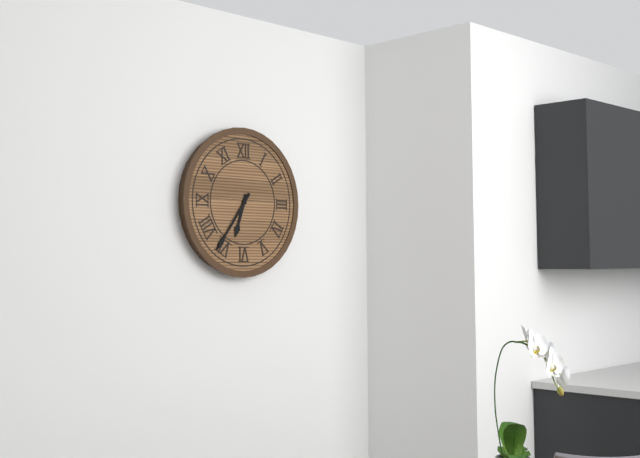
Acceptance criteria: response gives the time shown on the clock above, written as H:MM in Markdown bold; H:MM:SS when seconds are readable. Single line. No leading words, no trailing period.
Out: **6:36**
